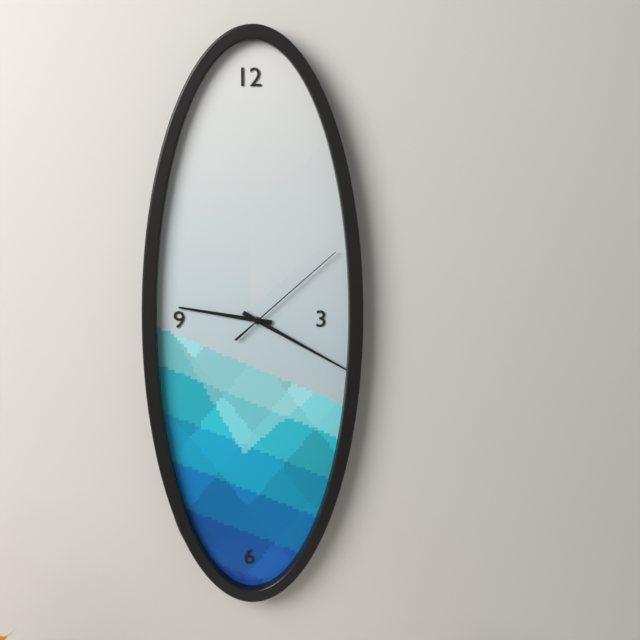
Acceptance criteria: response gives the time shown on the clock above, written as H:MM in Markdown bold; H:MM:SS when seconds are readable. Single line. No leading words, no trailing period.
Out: **9:20:08**
